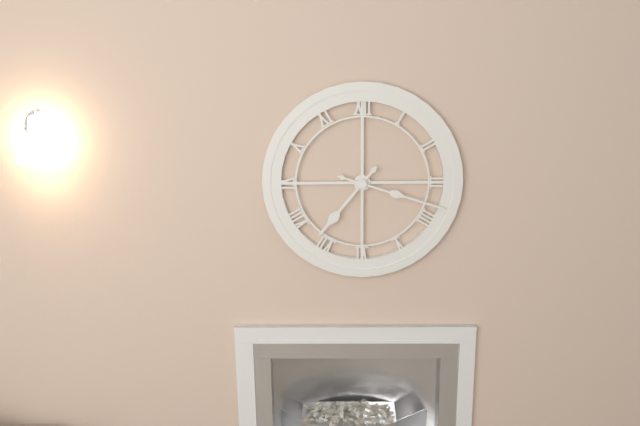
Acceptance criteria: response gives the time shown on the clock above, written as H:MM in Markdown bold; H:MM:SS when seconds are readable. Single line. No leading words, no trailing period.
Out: **7:18**
